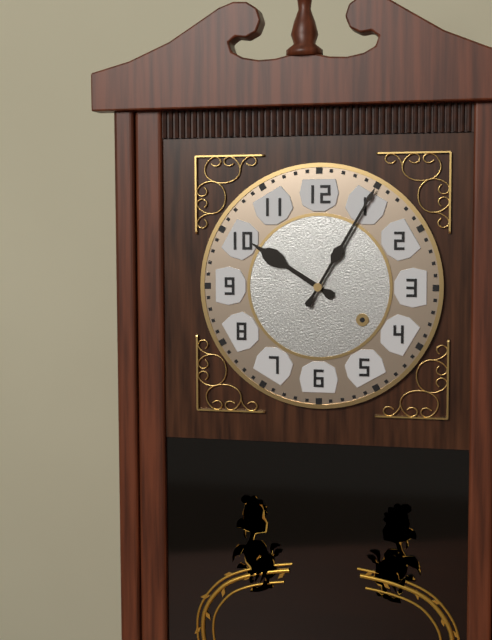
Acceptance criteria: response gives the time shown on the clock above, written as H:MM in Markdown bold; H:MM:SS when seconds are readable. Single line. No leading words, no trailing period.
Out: **10:05**
